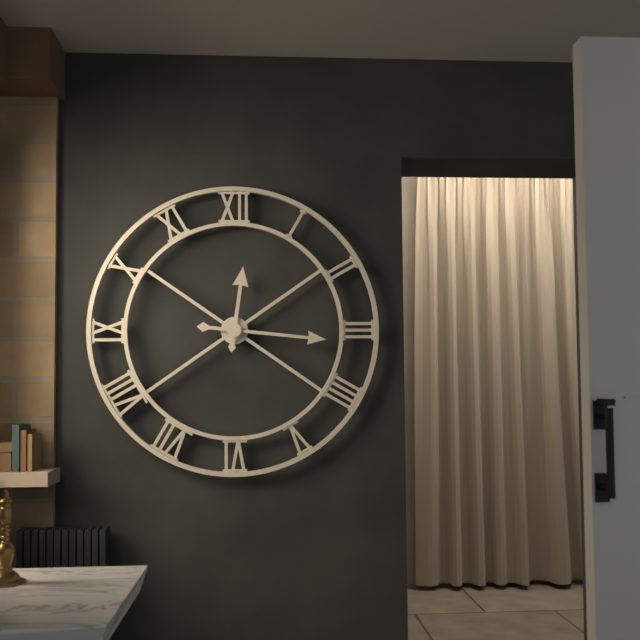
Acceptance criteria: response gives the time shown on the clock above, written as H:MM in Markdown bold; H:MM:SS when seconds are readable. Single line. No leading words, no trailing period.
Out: **12:16**
